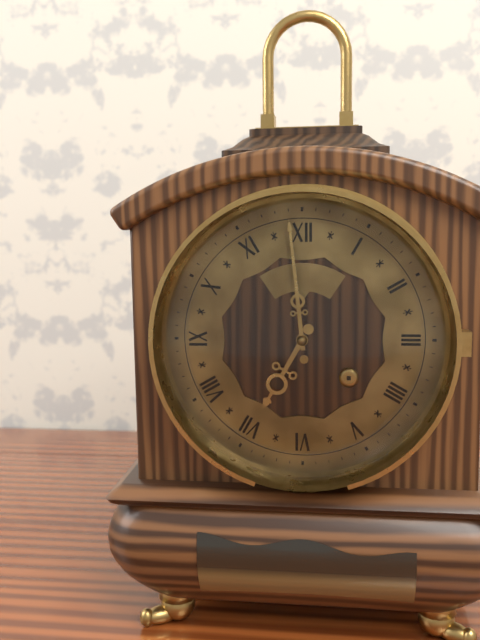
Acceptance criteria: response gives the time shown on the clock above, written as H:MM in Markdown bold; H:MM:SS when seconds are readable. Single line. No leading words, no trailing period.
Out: **6:59**
